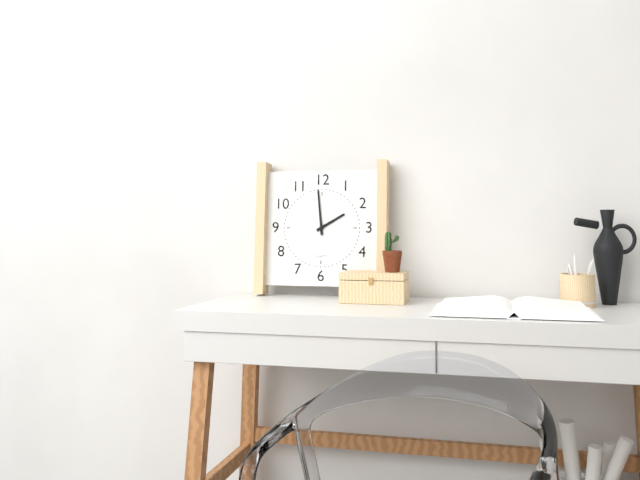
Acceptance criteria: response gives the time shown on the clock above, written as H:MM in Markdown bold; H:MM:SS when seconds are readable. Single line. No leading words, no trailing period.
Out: **1:59**
